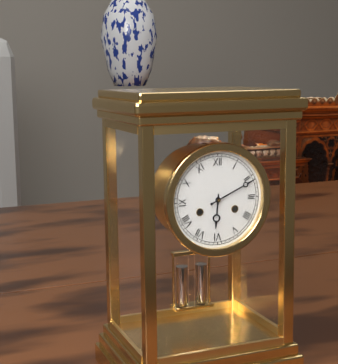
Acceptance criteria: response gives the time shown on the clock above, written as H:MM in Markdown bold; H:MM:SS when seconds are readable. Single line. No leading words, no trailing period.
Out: **6:11**
